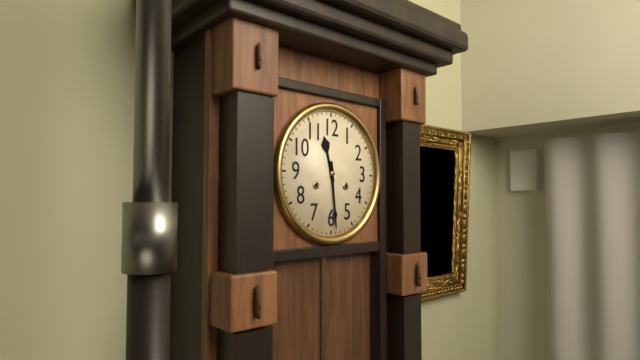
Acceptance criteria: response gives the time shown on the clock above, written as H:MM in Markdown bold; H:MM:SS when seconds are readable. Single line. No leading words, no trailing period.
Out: **11:29**
